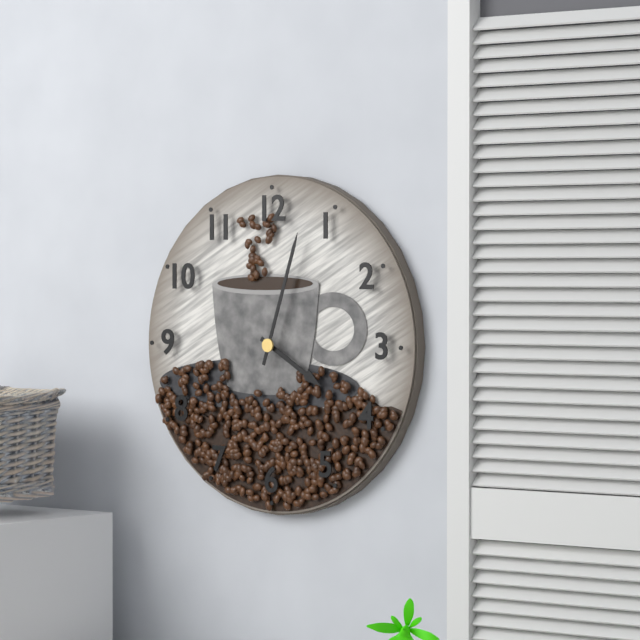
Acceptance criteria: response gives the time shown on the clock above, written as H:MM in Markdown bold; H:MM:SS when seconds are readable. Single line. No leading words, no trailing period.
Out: **4:03**
